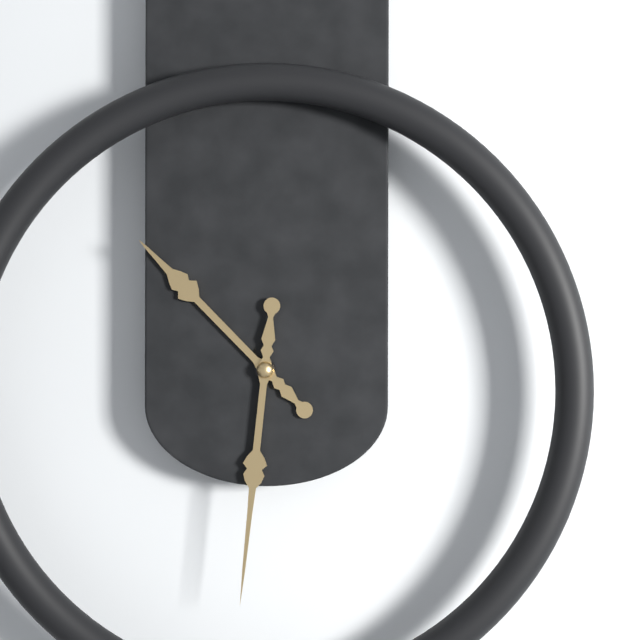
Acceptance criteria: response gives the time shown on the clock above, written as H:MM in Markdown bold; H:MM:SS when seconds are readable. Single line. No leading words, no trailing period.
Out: **10:31**
